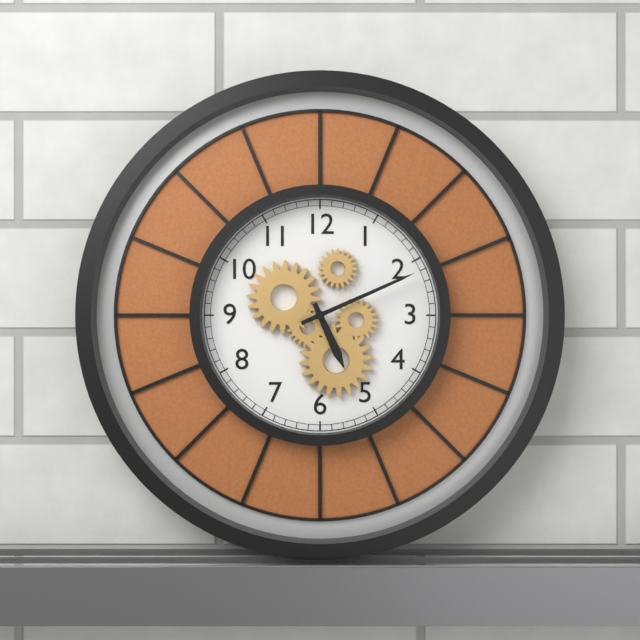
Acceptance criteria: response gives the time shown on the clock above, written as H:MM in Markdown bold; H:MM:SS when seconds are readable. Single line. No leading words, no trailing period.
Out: **5:11**
